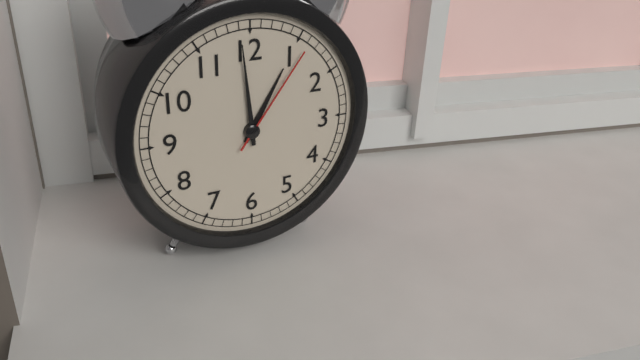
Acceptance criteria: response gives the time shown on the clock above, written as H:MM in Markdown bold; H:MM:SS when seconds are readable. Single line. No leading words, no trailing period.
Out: **12:59:06**
